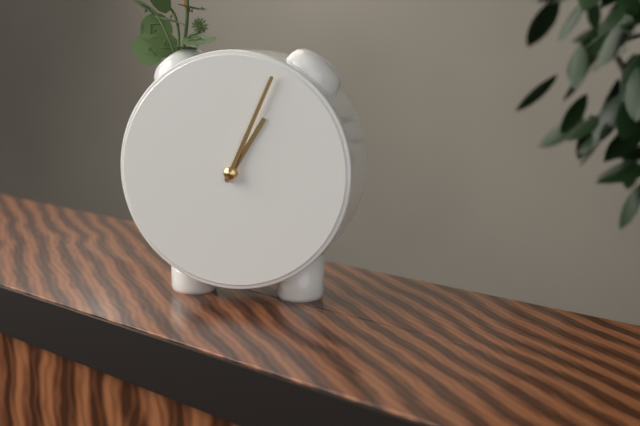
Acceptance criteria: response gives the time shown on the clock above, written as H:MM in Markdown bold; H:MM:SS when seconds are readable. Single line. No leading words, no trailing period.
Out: **1:04**
